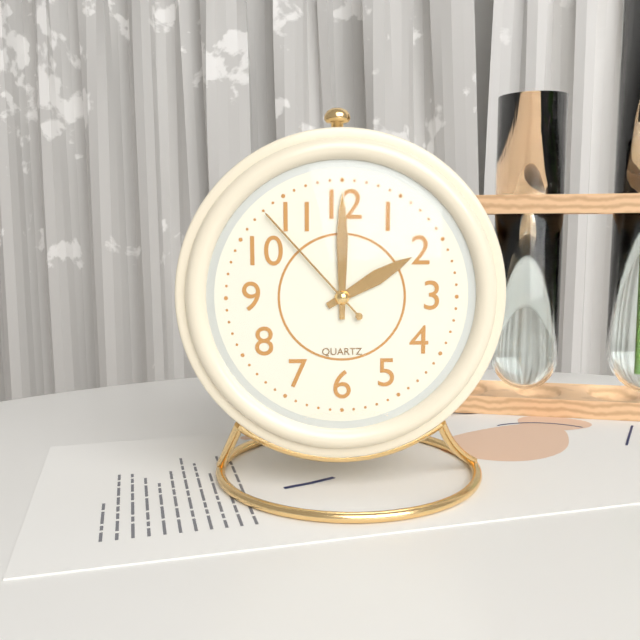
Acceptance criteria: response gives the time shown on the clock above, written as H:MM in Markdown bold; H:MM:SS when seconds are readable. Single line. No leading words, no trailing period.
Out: **2:00:53**
